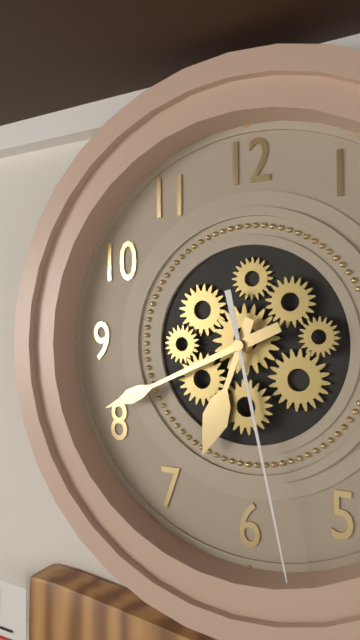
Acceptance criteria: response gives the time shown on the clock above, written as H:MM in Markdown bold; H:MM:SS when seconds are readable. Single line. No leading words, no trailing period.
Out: **6:41:28**
